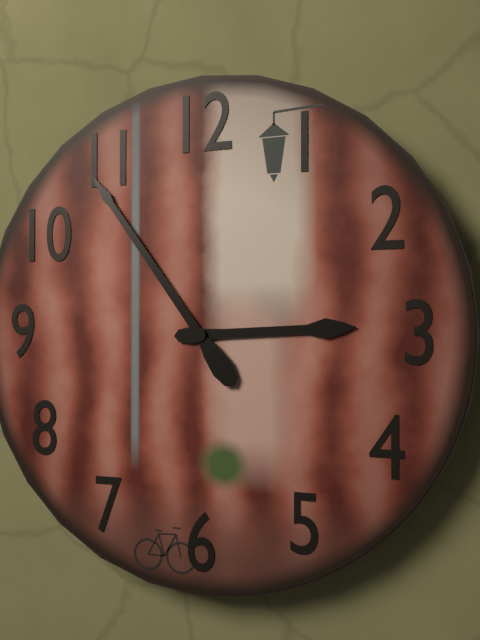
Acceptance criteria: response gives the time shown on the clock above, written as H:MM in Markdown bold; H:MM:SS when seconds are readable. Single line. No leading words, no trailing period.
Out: **2:54**
